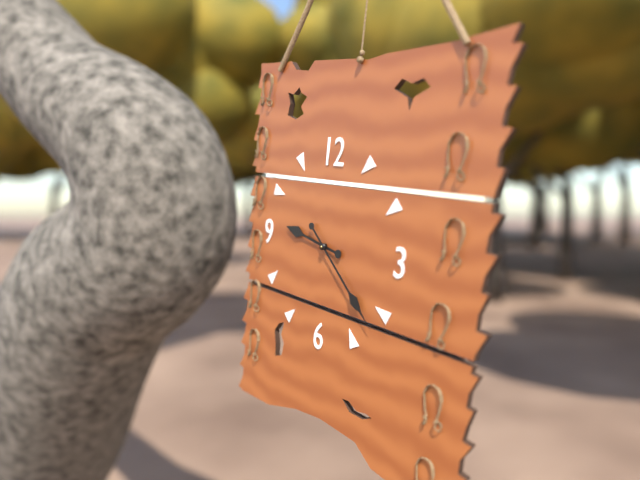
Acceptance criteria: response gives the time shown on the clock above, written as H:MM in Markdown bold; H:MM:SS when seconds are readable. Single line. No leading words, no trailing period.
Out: **9:22**
